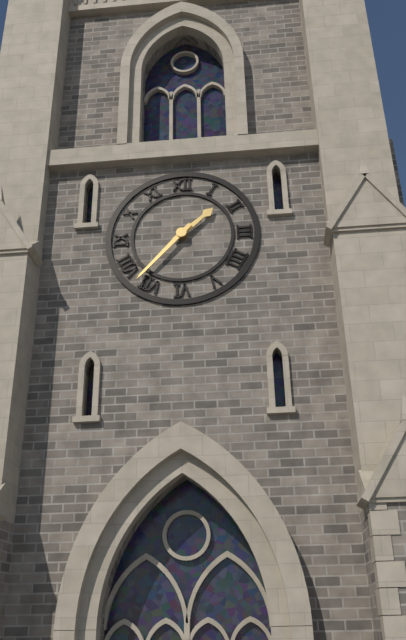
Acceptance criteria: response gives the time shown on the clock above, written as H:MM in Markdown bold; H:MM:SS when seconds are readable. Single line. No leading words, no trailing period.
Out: **1:37**
